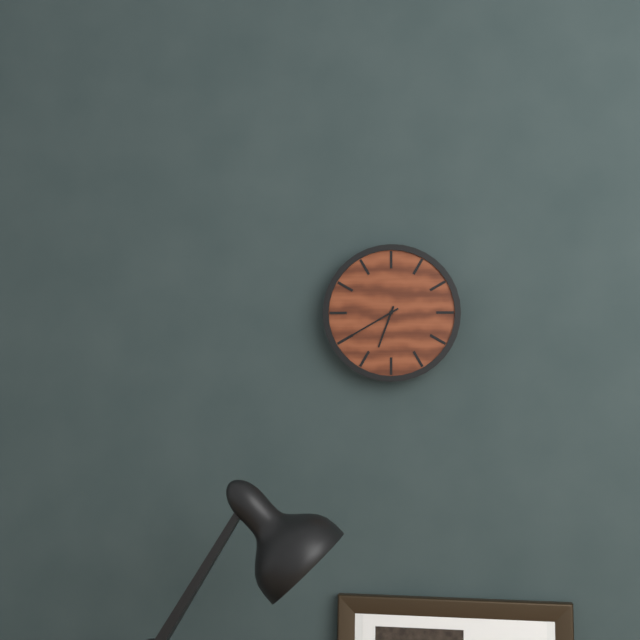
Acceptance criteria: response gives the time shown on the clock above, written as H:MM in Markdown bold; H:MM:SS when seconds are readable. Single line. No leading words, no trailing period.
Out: **6:40**
